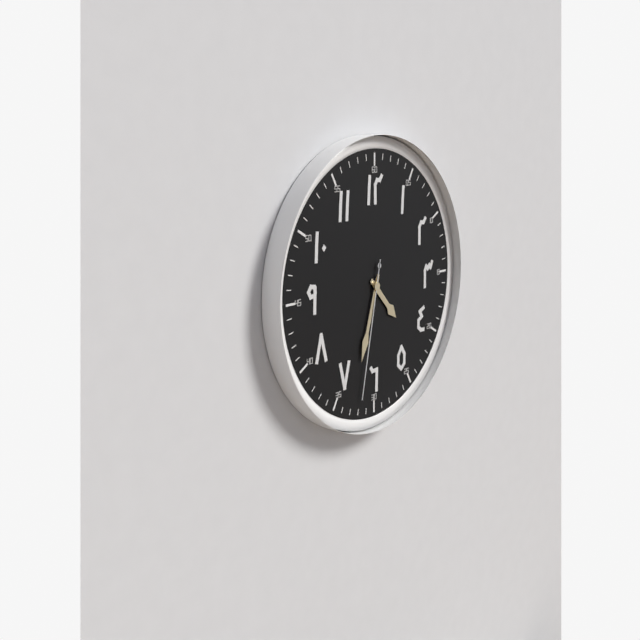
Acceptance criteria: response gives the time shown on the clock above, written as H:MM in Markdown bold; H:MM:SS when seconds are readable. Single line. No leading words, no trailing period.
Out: **4:33:32**
